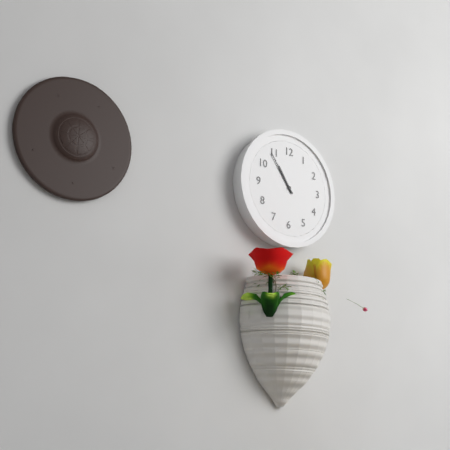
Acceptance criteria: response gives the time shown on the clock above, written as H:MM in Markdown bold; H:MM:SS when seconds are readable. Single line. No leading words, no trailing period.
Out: **10:54**
